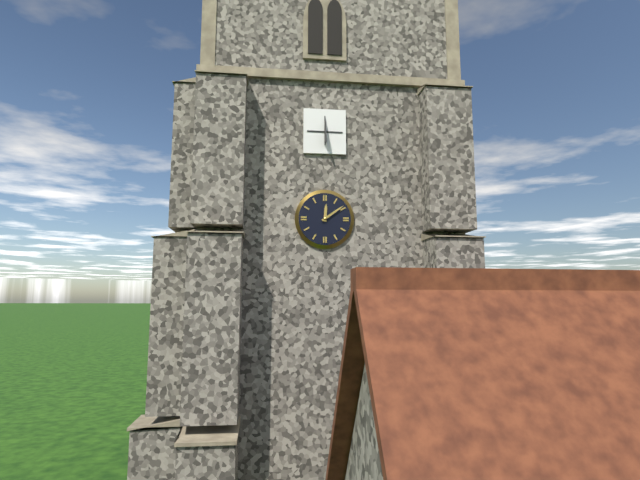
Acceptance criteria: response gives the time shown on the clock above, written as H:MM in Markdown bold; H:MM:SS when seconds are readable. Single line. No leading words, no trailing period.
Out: **12:09**
